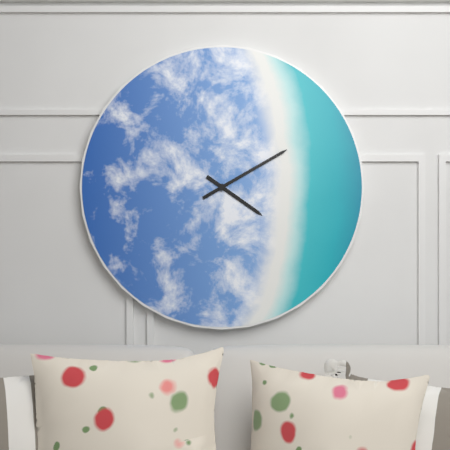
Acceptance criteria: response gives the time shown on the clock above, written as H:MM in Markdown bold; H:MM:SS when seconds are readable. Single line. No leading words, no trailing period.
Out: **4:10**
